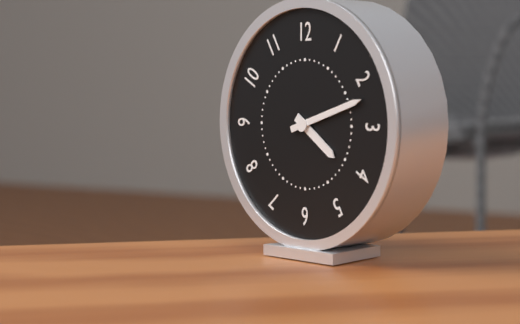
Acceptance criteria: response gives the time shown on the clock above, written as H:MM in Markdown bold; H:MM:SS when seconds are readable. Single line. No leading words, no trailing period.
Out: **4:12**
